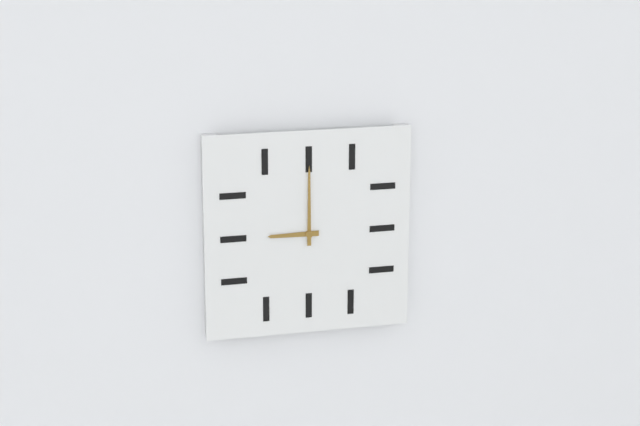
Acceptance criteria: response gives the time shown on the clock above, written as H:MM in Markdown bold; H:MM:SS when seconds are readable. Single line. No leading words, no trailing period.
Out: **9:00**
